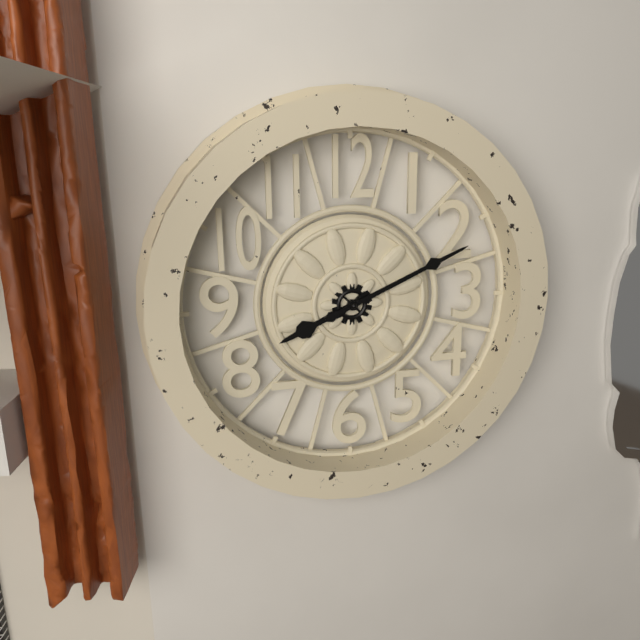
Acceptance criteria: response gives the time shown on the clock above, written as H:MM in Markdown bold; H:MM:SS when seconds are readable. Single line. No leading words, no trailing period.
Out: **8:11**
